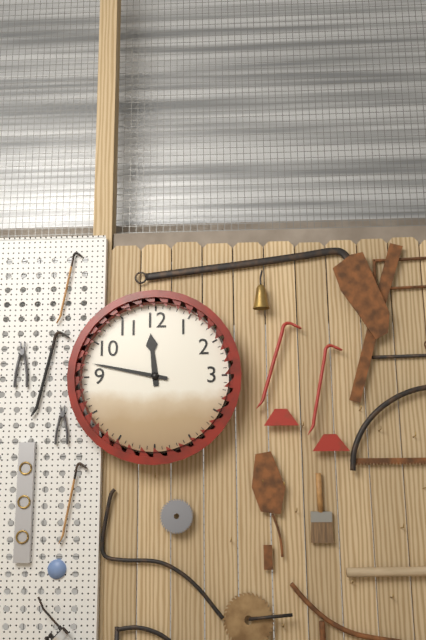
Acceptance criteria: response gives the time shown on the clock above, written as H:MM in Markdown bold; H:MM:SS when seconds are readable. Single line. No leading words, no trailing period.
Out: **11:47**
